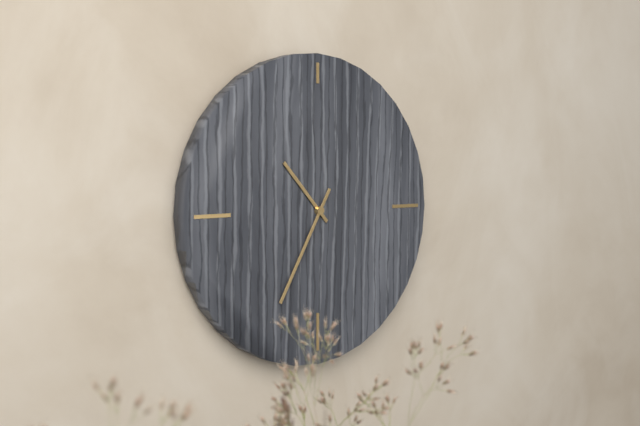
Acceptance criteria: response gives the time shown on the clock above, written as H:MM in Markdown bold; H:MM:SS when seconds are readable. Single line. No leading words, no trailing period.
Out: **10:35**
